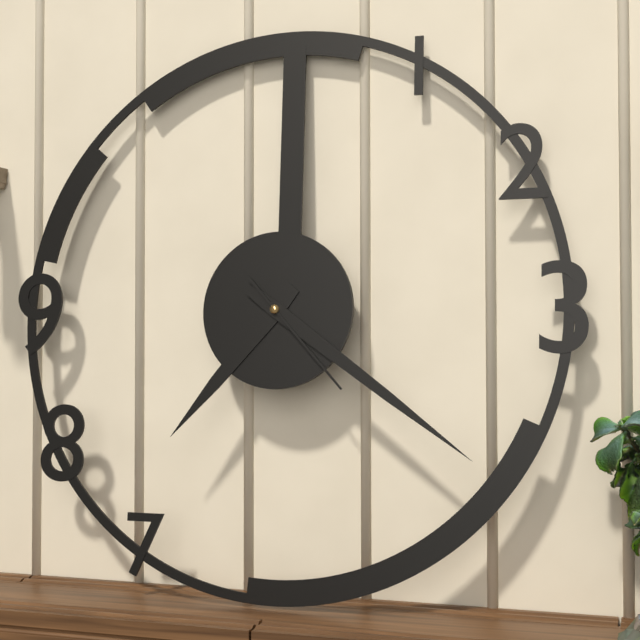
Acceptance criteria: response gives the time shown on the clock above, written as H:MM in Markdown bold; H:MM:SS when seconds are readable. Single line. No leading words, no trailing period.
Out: **7:21:23**
